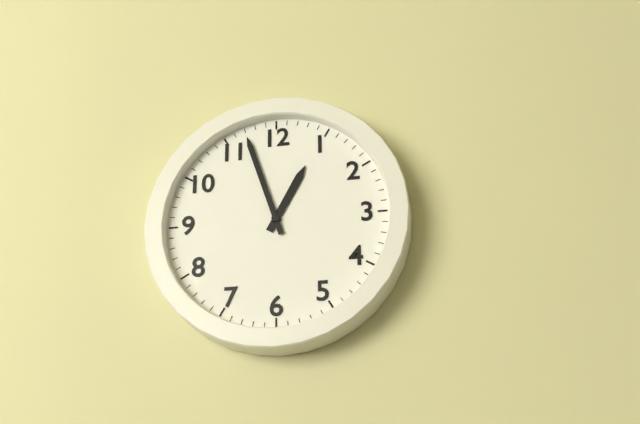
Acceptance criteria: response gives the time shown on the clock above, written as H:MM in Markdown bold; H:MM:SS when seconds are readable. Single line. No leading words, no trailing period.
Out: **12:57**
